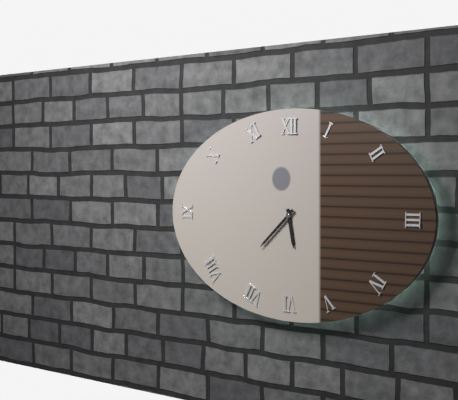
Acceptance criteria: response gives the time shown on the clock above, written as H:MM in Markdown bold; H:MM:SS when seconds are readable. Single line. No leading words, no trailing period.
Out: **5:38**
